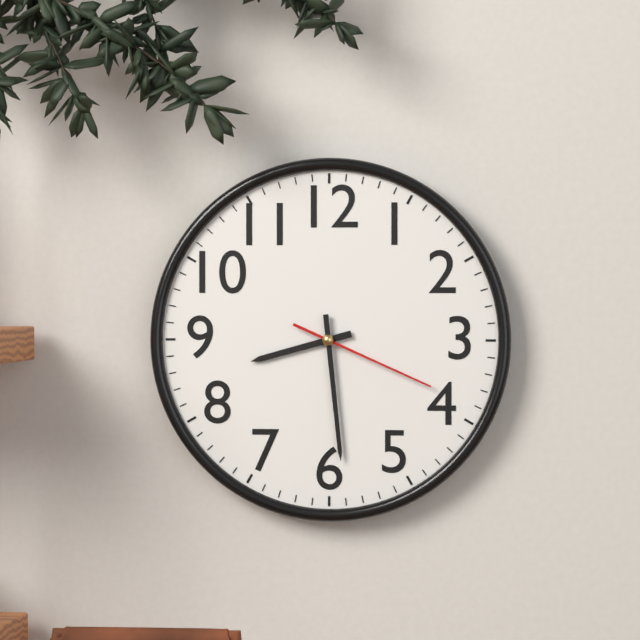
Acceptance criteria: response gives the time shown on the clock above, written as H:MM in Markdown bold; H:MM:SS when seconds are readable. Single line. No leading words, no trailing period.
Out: **8:29:19**
